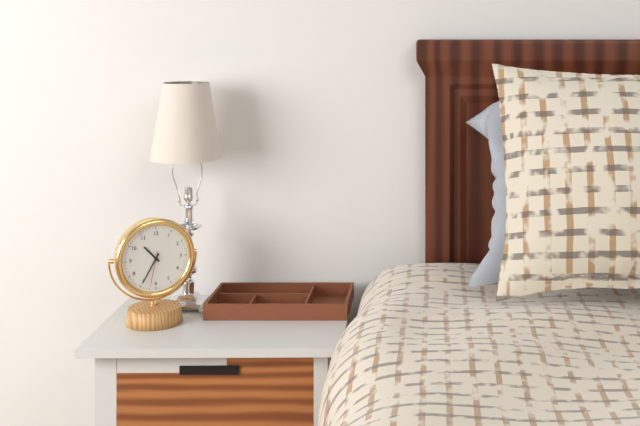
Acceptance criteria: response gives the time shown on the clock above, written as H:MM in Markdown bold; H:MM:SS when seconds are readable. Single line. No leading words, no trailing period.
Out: **10:35**
